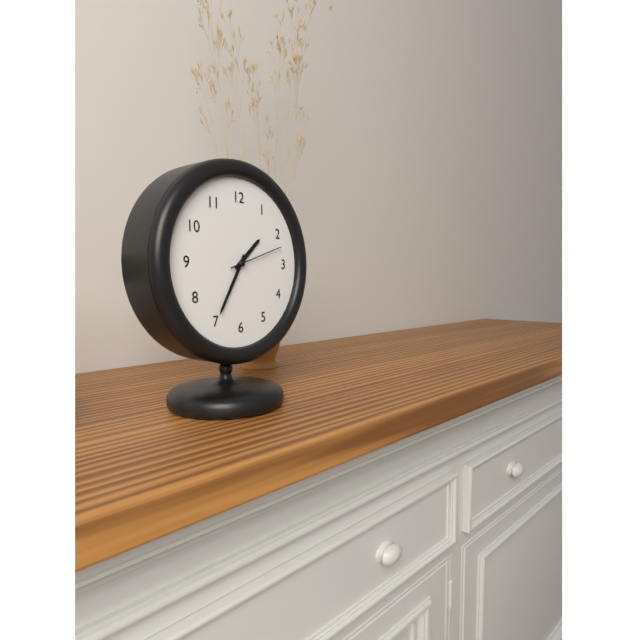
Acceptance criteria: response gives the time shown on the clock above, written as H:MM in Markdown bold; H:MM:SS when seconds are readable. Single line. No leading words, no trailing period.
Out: **1:35:12**
